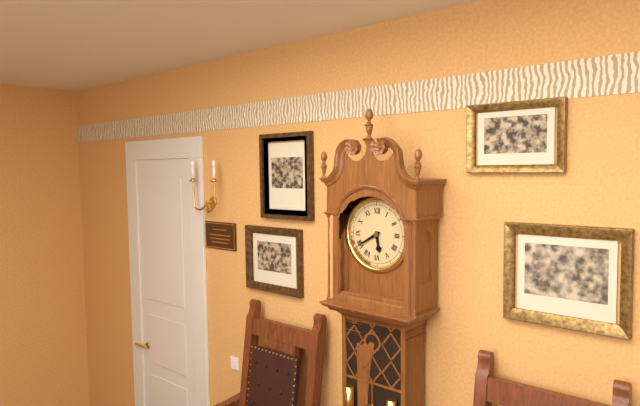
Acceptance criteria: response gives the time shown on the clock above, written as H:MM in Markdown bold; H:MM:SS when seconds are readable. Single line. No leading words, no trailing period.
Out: **5:40**
